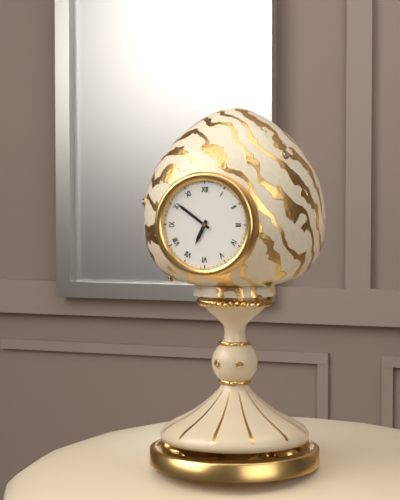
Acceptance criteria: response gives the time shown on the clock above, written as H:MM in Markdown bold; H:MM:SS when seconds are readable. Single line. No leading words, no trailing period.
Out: **6:51**
